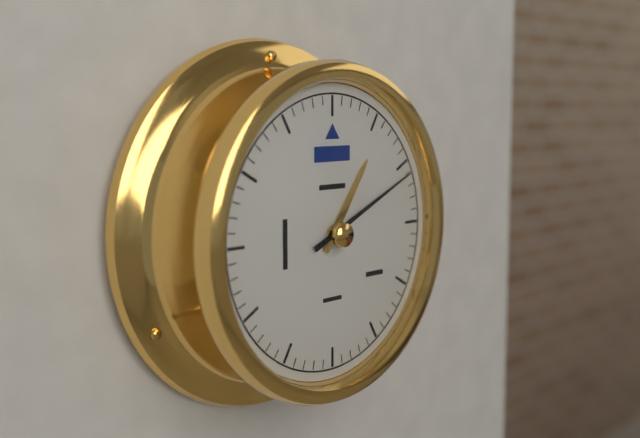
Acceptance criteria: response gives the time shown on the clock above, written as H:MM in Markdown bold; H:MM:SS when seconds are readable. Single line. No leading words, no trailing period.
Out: **1:11**
